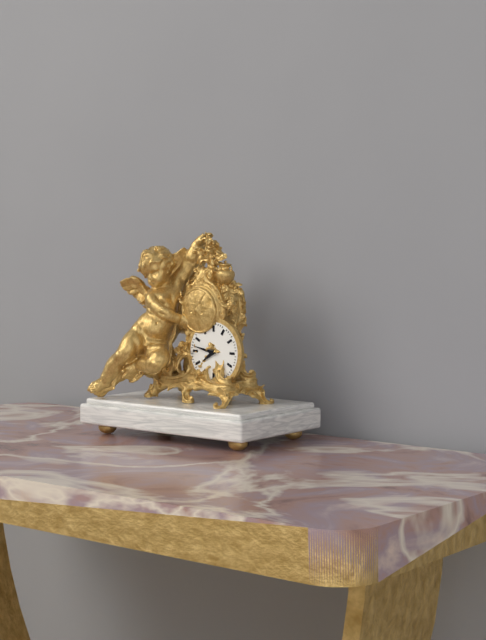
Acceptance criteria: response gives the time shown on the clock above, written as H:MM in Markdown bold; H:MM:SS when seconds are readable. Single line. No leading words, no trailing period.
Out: **7:47**
